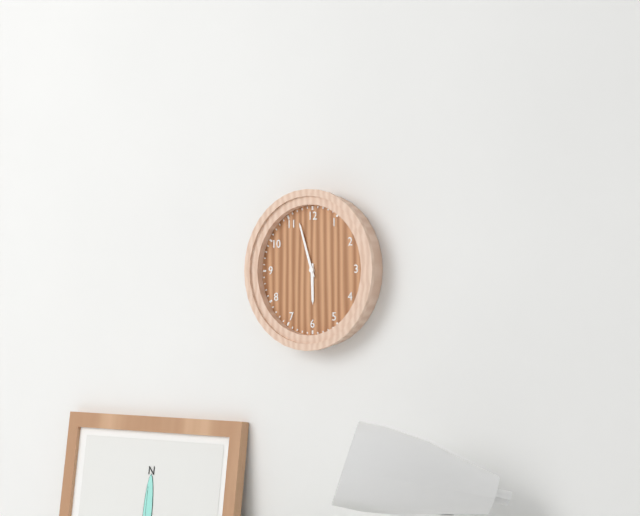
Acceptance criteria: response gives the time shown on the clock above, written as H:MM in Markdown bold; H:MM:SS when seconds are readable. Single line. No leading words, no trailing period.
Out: **5:57**
